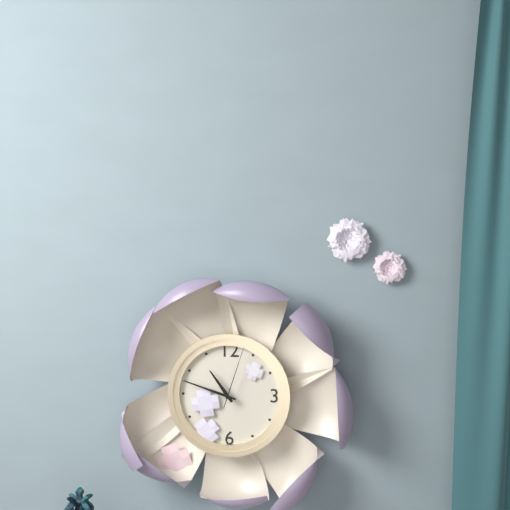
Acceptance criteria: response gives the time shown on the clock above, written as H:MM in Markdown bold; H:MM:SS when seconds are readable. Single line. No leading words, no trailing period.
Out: **10:48:03**
